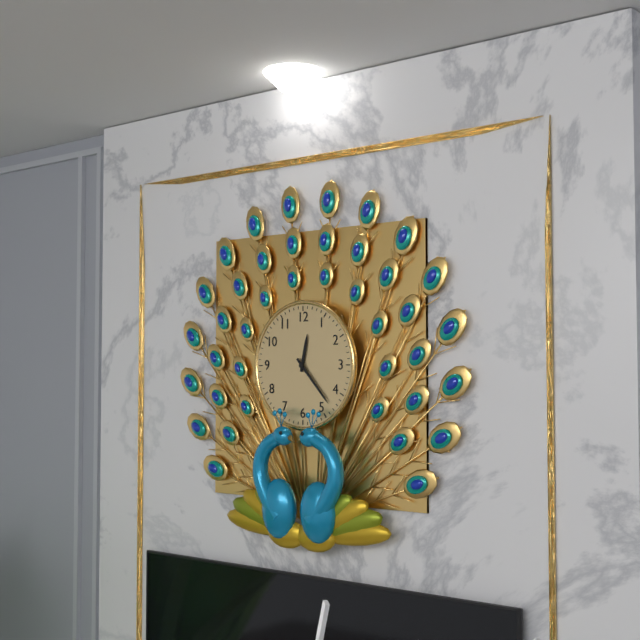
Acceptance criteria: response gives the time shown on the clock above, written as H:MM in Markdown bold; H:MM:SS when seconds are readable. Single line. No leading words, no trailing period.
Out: **12:23**
